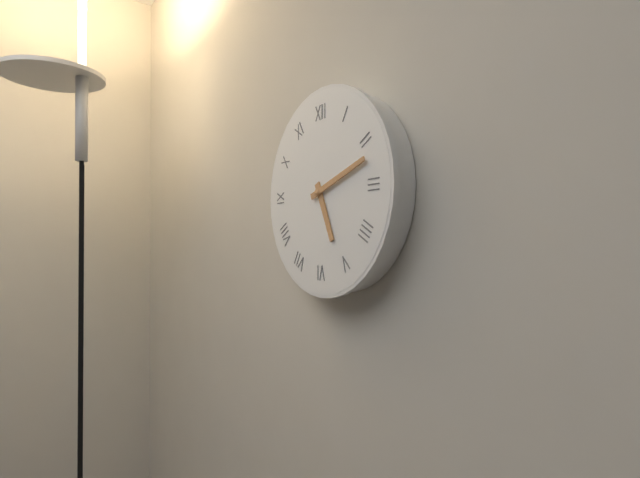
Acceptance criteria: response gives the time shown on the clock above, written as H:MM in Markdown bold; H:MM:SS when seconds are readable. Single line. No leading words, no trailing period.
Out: **5:12**
